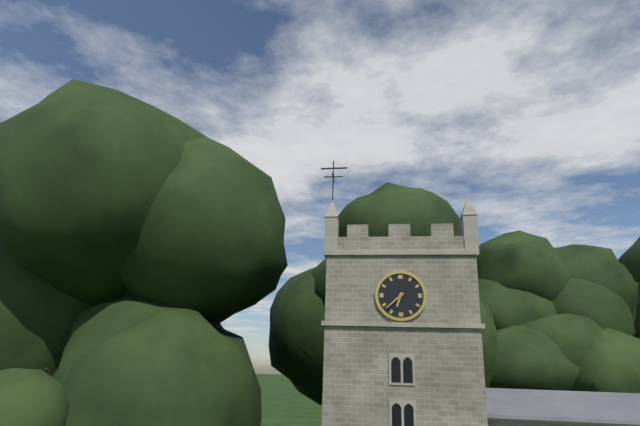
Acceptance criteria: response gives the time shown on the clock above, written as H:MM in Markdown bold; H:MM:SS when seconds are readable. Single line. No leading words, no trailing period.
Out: **6:38**
